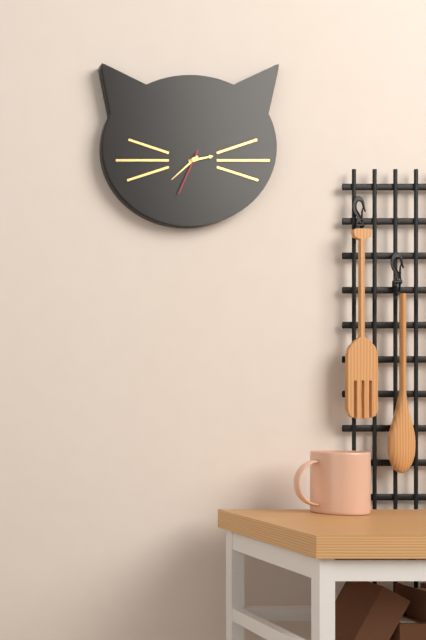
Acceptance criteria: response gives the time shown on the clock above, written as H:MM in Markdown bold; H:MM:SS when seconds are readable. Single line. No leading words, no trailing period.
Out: **2:38**
